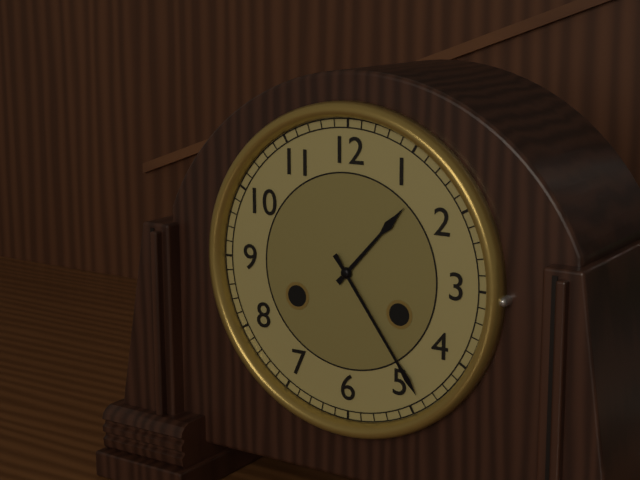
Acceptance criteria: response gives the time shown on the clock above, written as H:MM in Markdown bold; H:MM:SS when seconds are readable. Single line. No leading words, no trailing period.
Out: **1:24**
